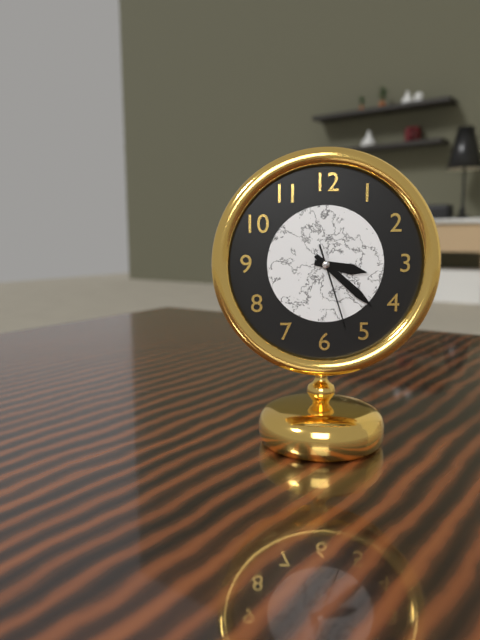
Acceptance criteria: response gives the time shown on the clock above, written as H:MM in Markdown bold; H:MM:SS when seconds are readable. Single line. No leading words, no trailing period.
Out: **3:22:27**
